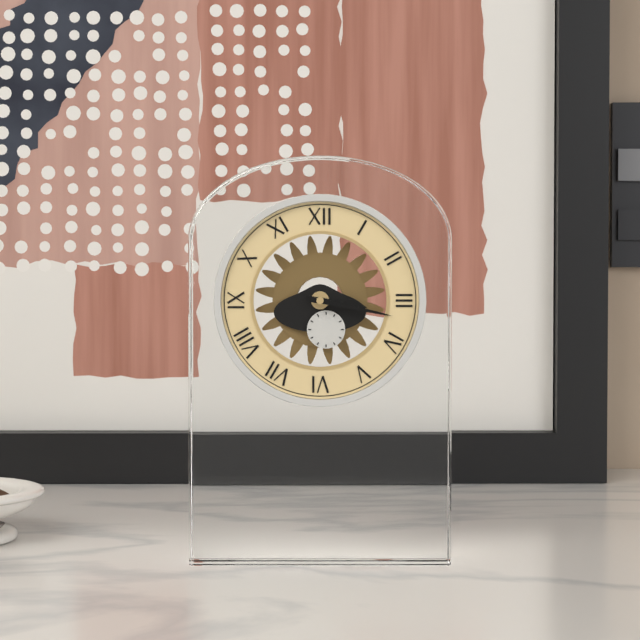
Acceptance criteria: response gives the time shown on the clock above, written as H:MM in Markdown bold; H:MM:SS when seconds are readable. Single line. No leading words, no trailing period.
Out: **3:17**
